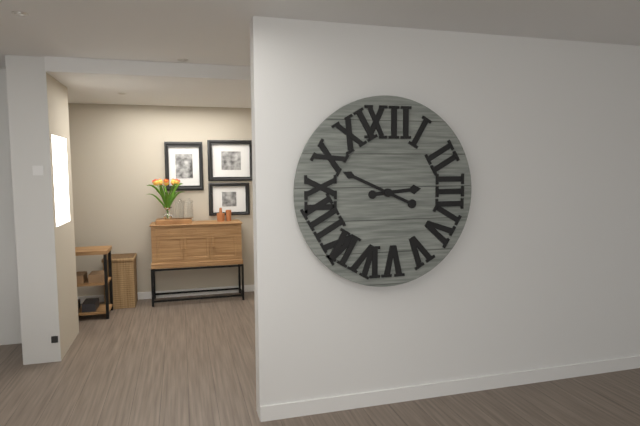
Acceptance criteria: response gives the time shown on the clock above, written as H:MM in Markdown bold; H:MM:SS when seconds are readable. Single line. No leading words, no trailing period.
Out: **2:49**
